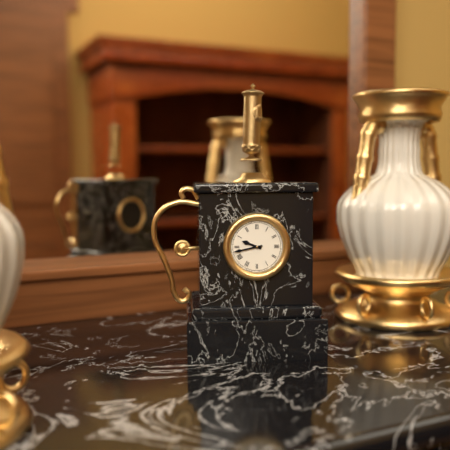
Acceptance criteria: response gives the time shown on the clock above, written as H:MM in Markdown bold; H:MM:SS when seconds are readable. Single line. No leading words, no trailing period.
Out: **9:43**
